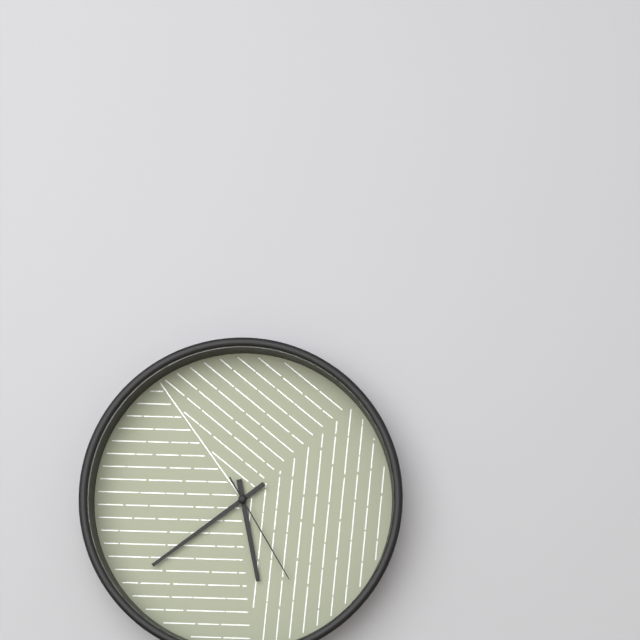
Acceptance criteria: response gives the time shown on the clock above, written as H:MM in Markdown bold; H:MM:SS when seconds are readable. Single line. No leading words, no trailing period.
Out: **5:39:25**
